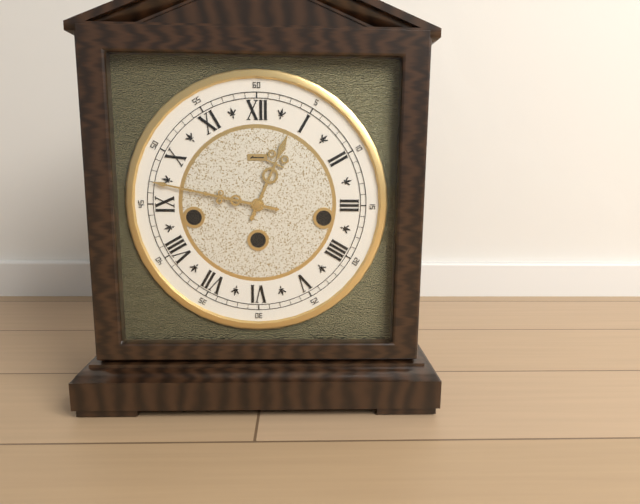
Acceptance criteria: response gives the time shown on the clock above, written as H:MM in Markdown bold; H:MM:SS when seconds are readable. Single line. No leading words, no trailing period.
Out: **12:47**
